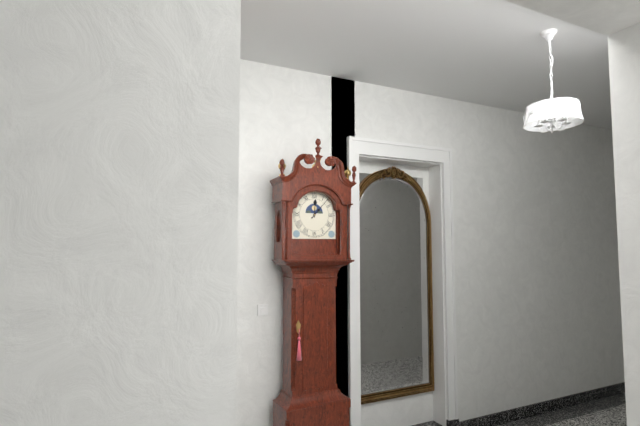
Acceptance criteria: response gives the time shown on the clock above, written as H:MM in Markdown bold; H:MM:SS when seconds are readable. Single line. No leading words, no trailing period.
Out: **12:07**
